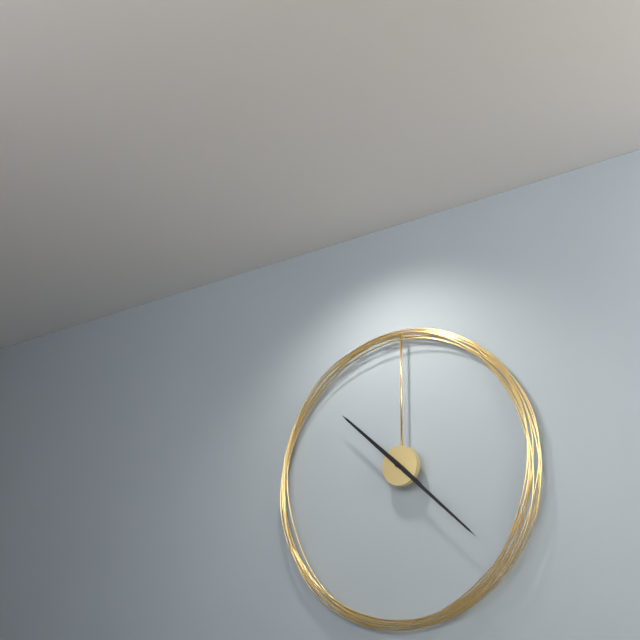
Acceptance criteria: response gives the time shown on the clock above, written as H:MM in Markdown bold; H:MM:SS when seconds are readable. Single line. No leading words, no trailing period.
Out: **10:22**
